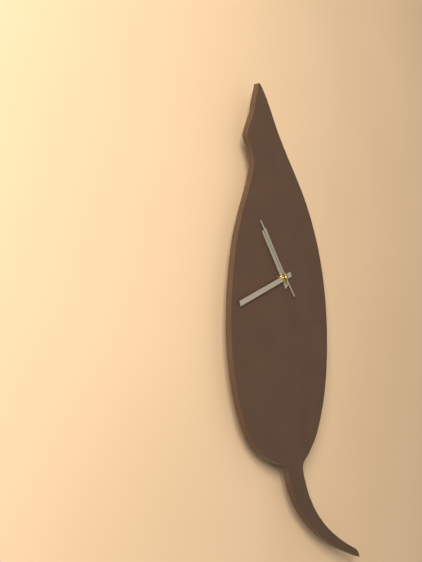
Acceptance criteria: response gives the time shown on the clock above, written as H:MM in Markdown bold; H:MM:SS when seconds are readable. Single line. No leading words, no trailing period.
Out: **10:41:53**
